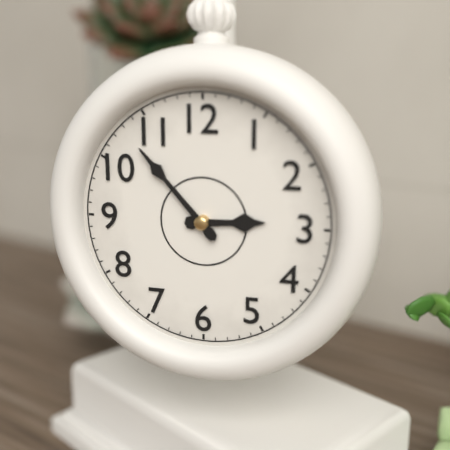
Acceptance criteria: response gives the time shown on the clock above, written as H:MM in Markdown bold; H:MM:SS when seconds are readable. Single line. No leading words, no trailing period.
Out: **2:53**
